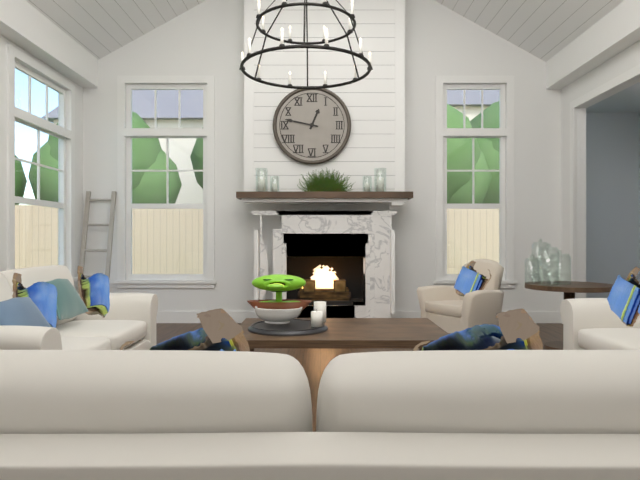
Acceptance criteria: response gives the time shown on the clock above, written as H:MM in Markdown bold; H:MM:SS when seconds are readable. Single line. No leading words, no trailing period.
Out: **12:47**
